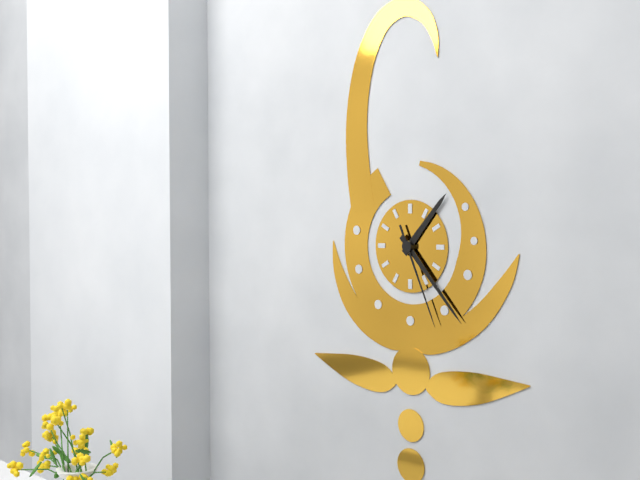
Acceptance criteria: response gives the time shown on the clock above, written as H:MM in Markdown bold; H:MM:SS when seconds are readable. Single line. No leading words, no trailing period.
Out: **1:23:26**
